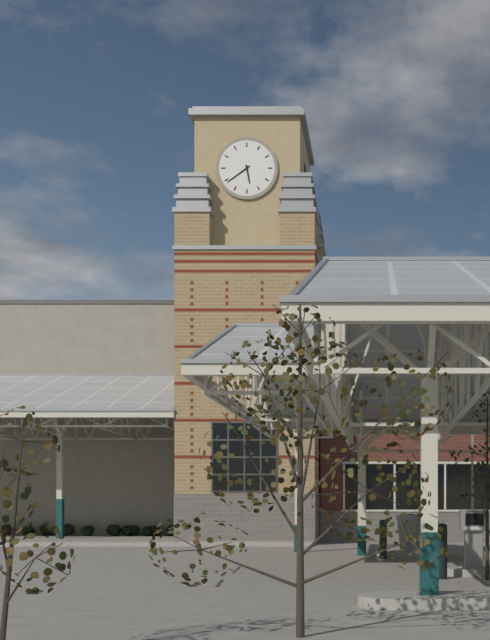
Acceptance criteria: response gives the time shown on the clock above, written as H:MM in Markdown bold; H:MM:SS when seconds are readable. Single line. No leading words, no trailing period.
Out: **5:39**
